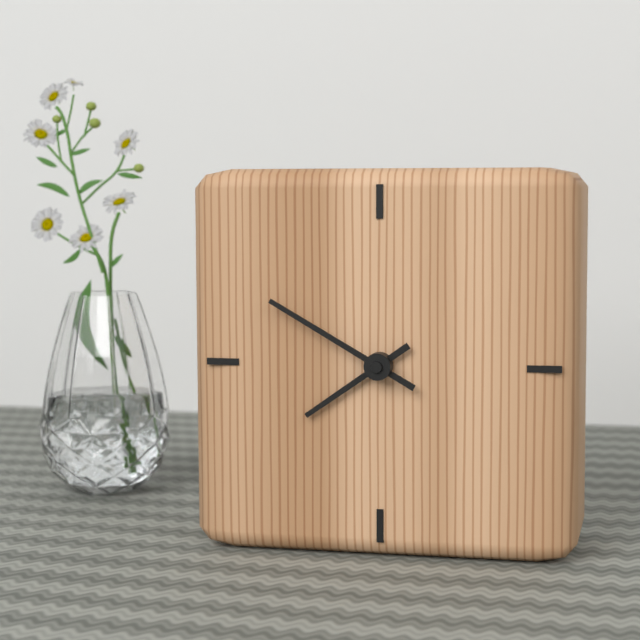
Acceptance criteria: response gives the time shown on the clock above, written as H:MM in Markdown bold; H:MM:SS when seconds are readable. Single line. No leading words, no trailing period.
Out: **7:50**
